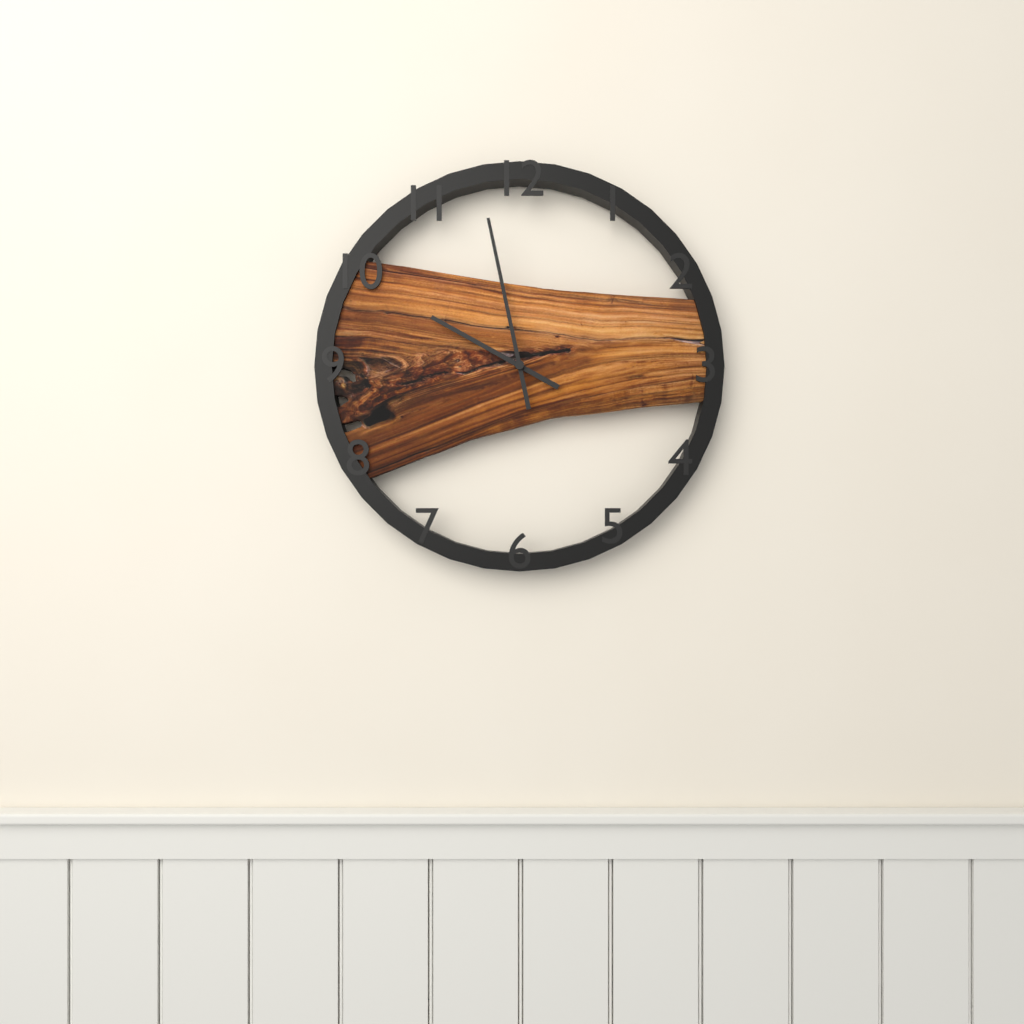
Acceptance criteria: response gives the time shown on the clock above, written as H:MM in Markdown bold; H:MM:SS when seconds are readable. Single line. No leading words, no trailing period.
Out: **9:58**
